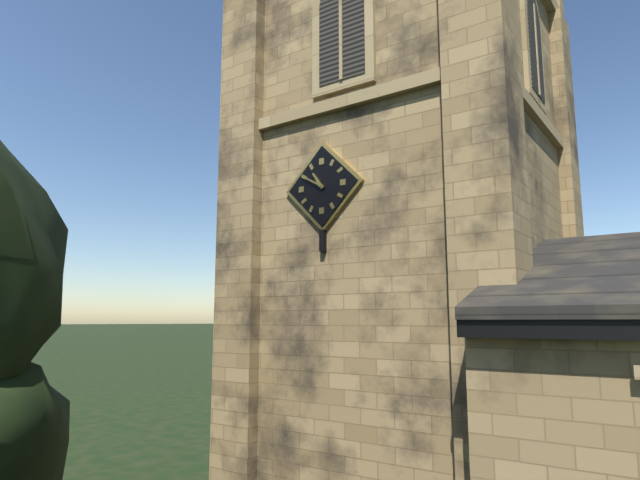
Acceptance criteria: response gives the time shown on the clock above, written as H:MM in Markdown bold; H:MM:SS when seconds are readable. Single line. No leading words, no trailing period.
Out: **10:50**
